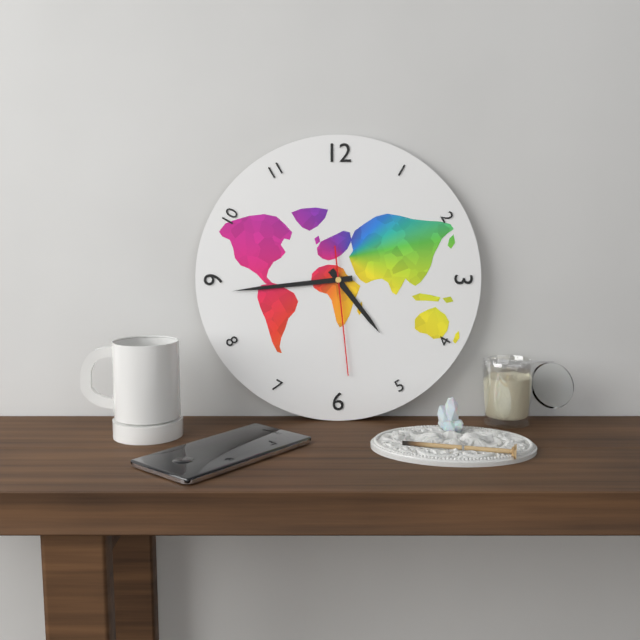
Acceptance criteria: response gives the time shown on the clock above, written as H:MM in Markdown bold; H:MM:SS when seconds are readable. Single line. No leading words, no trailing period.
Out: **4:44:29**
